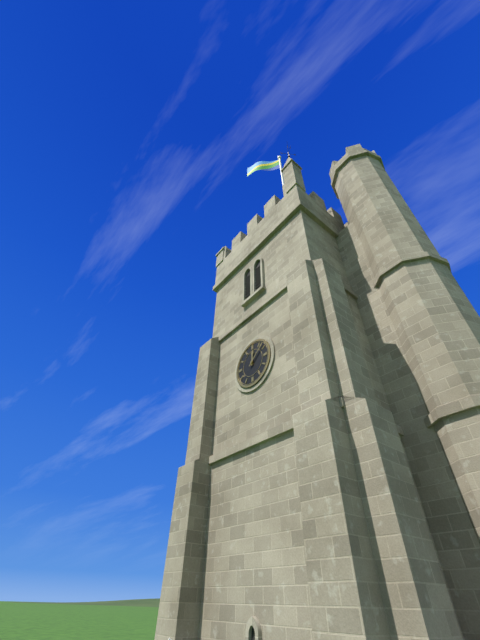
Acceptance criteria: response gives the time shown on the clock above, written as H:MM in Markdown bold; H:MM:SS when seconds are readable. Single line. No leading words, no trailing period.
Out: **12:08**
